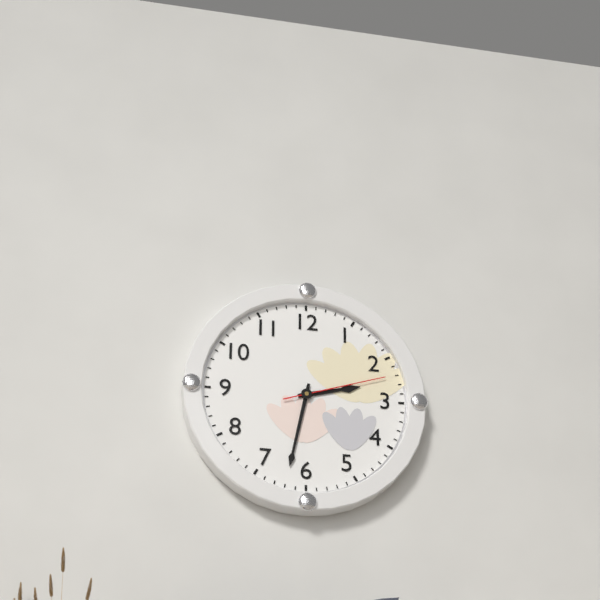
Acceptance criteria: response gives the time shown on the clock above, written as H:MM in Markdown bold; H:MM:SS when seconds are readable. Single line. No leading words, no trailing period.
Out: **2:32:12**
